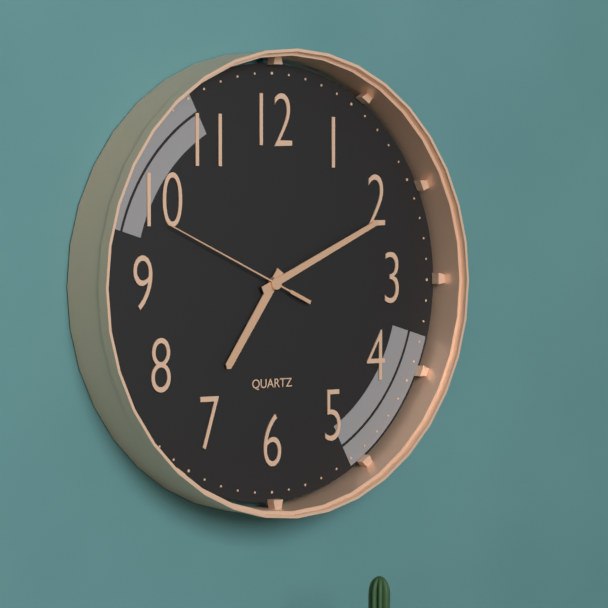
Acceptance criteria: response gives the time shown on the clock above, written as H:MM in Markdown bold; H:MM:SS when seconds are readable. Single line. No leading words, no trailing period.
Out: **7:11:49**
